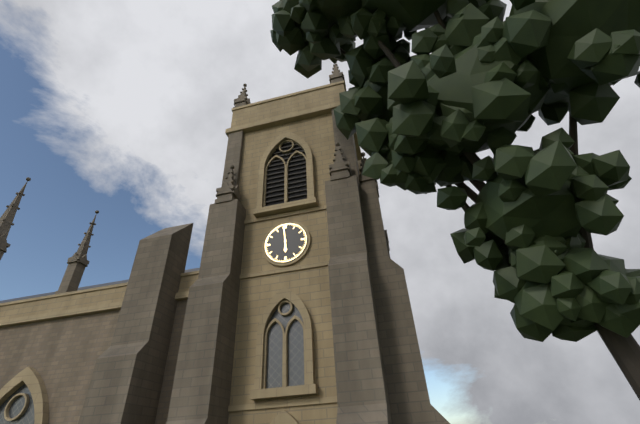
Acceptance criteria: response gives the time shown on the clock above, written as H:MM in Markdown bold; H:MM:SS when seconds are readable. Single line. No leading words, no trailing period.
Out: **5:59**
